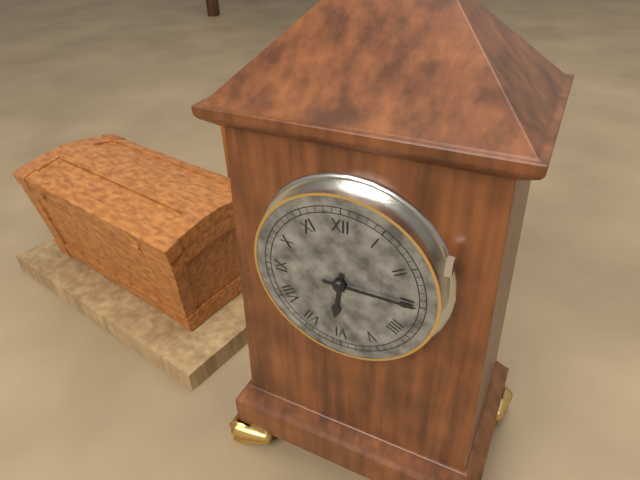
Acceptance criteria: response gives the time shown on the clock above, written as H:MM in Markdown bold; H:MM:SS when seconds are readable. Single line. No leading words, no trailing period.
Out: **6:15**
